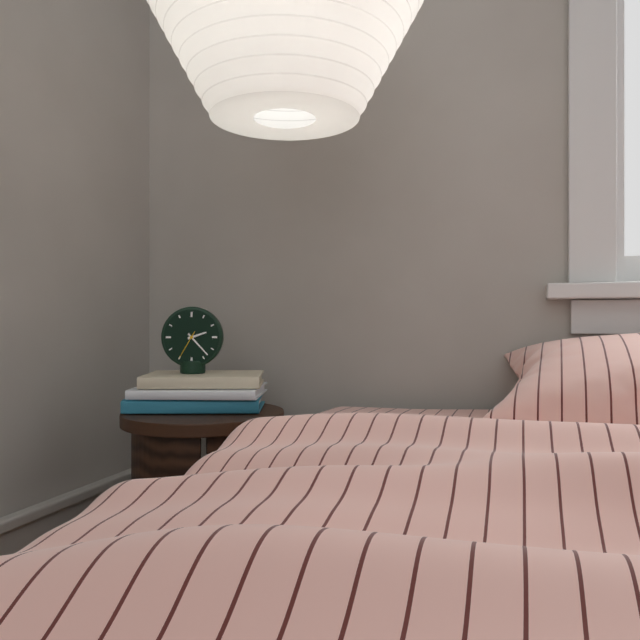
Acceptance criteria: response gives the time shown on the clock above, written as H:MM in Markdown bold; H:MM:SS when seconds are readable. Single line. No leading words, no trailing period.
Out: **2:23**
